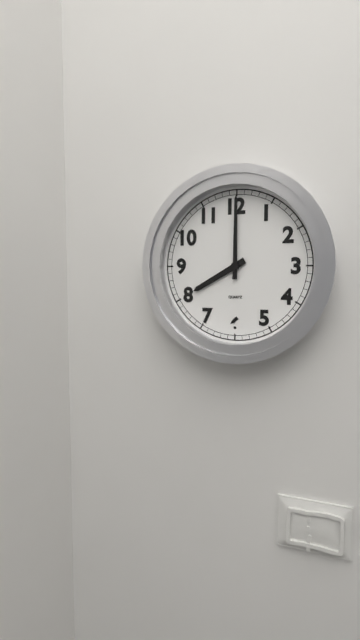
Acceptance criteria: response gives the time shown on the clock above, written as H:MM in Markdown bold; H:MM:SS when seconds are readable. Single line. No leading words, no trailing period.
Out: **8:00**
